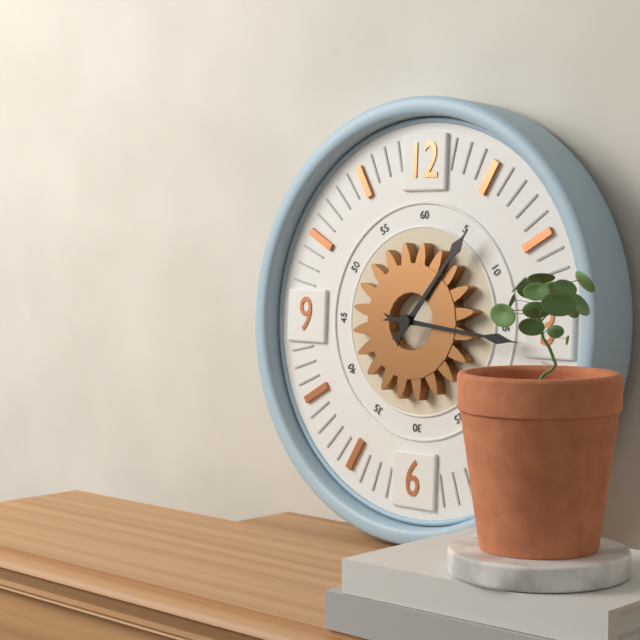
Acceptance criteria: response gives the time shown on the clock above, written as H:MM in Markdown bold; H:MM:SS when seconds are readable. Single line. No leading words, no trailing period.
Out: **1:16**
